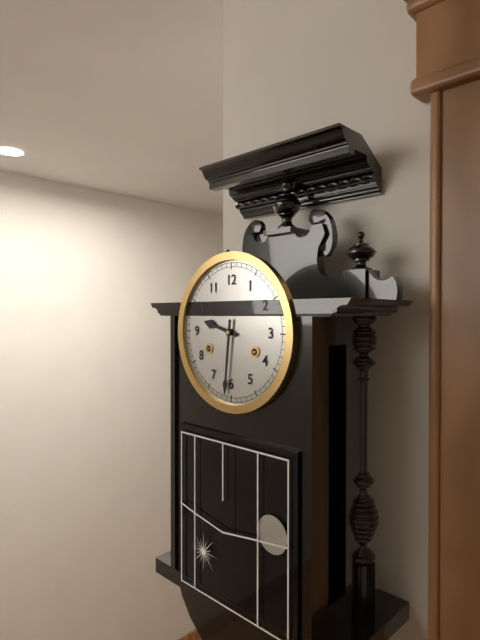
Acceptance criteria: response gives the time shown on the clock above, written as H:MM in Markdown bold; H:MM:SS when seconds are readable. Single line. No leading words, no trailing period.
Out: **9:31**
